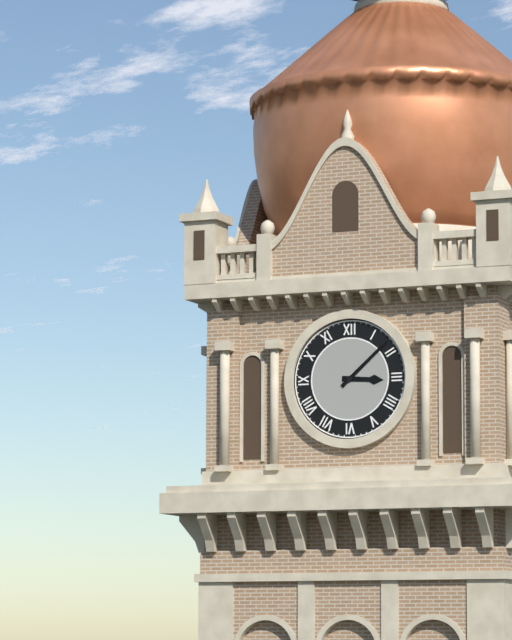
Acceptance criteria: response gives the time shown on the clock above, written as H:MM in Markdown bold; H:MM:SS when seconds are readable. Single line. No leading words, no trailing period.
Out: **3:08**
